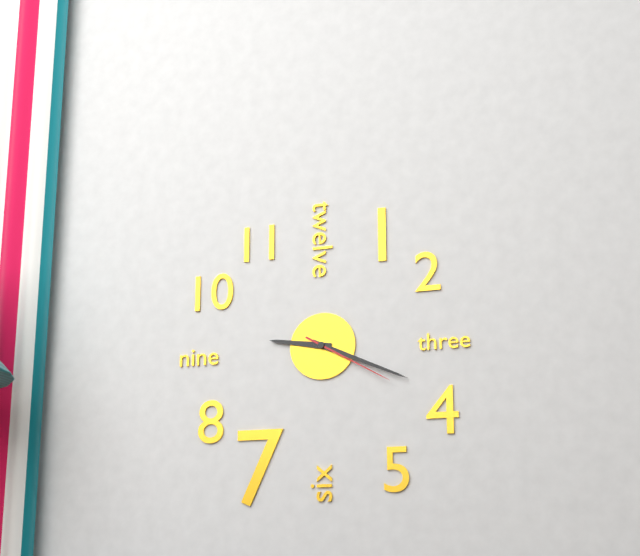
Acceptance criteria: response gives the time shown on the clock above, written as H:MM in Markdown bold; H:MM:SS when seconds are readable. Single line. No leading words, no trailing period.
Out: **9:19:20**
